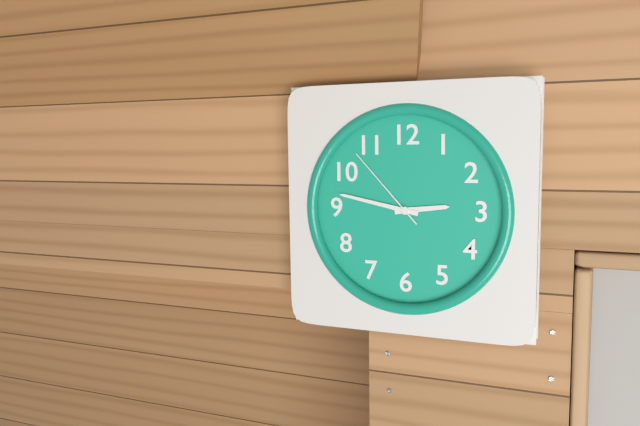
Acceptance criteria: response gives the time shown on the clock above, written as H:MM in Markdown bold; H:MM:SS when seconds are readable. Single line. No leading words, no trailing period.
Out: **2:47:53**
